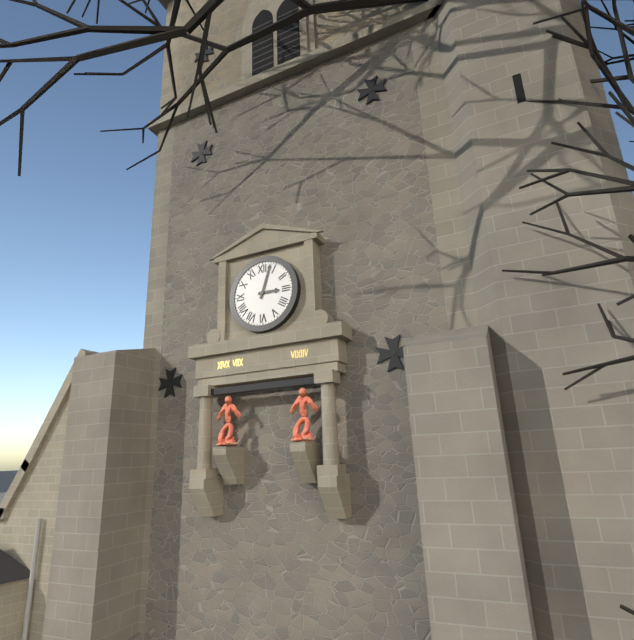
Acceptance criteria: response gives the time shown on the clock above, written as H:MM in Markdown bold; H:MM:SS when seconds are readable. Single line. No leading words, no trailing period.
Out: **3:03**
